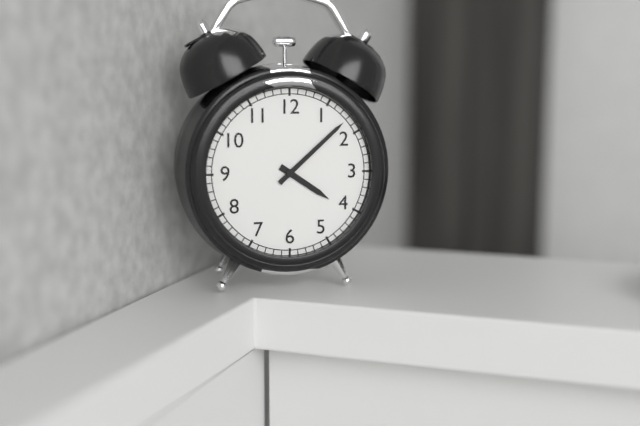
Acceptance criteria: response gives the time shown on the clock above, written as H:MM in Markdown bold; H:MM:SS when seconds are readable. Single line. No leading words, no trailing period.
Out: **4:08**
